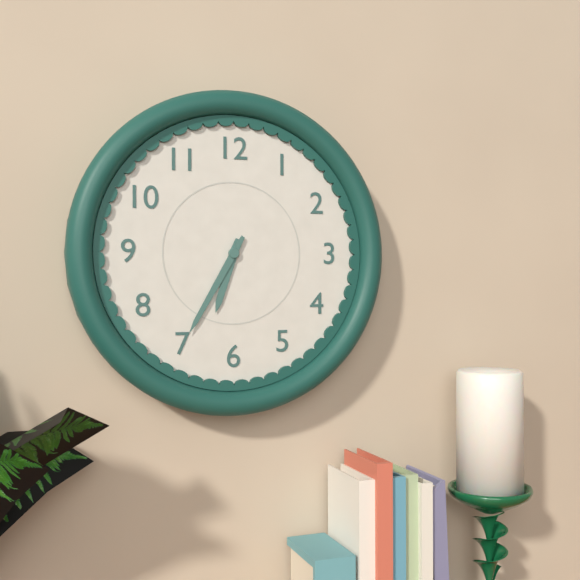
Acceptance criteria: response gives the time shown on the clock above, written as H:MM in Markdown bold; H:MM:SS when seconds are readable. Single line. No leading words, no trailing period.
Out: **6:35**
